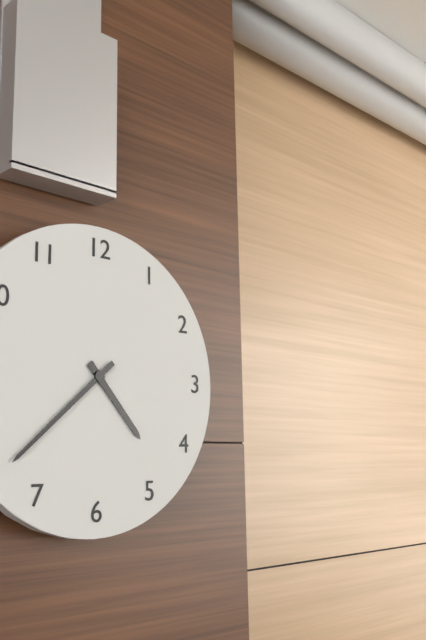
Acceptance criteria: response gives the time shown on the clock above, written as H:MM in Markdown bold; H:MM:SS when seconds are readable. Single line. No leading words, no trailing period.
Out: **4:38**
